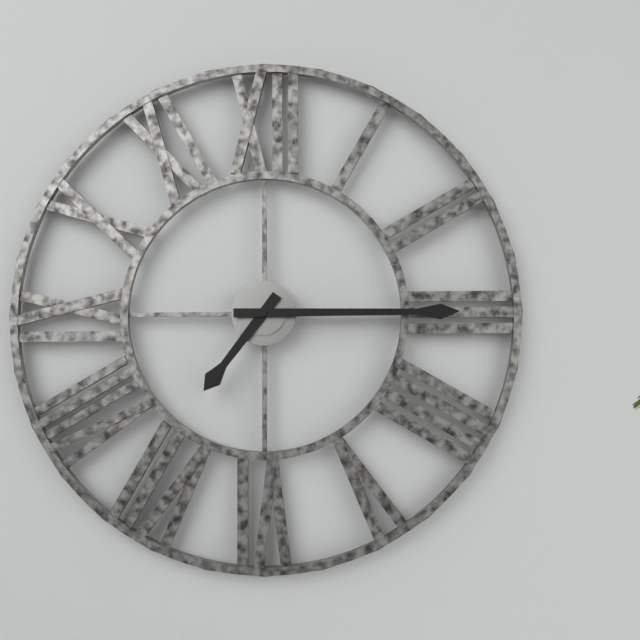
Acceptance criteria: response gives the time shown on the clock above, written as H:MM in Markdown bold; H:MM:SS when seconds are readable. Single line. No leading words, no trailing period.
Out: **7:15**
